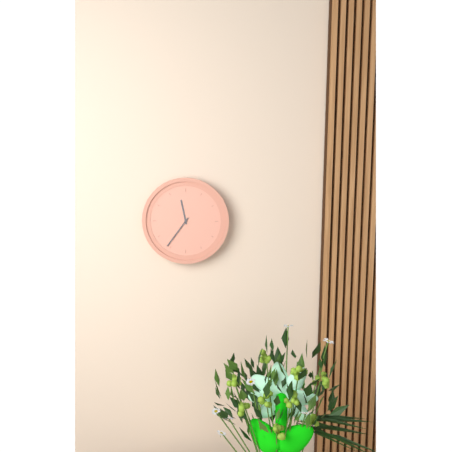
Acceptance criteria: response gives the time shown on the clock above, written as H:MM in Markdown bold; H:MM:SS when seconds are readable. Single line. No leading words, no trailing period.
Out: **11:36**
